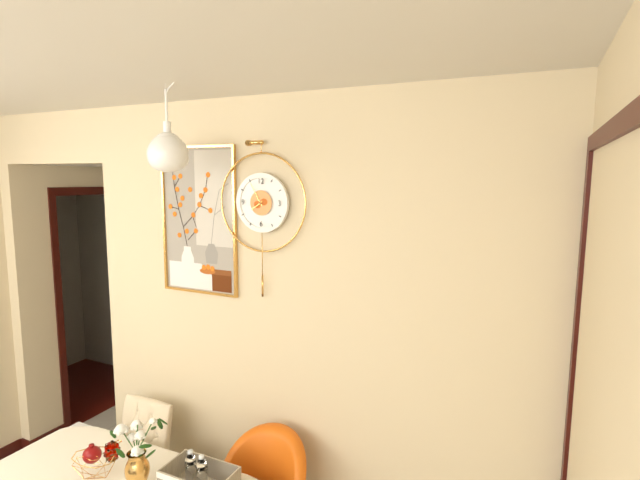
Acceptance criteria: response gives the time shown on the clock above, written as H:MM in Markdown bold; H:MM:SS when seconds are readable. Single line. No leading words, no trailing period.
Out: **7:55**
